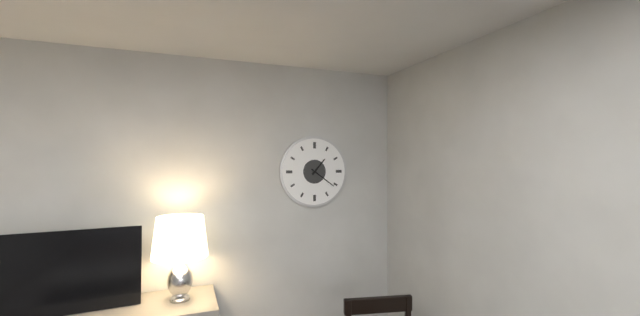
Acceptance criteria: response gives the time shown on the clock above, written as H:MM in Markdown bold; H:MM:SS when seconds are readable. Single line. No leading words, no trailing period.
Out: **1:21**
